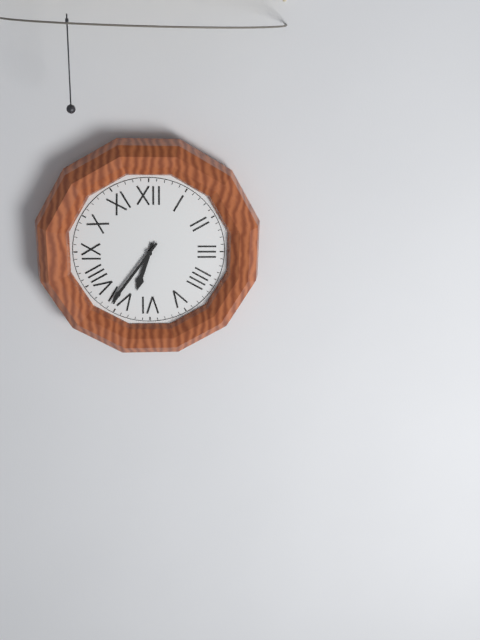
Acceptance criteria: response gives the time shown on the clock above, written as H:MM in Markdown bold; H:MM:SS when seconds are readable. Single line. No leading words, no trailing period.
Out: **6:36**
